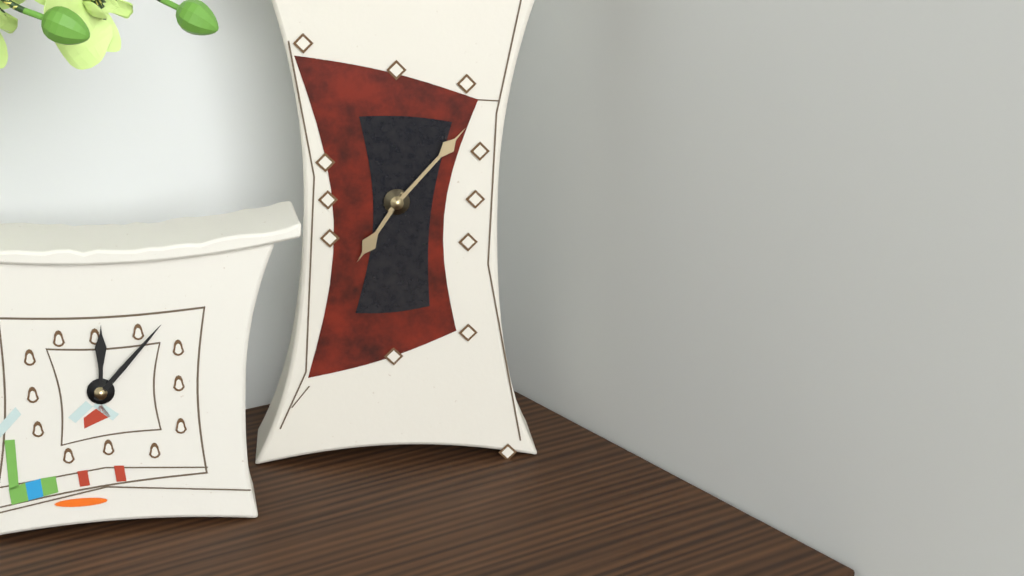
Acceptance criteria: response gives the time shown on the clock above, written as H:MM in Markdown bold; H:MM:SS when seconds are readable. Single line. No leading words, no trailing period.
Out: **7:07**
